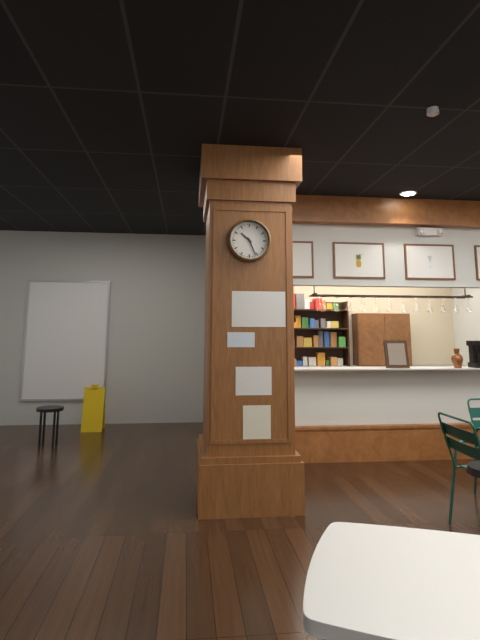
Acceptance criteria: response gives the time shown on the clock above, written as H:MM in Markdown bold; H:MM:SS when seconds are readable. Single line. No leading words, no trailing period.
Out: **10:26**
